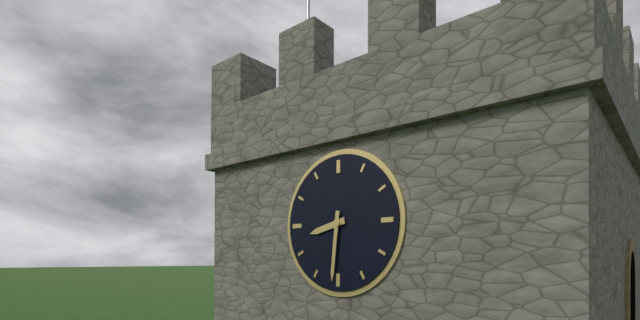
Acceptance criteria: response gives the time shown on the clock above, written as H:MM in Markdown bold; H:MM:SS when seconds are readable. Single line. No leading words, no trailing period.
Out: **8:31**
